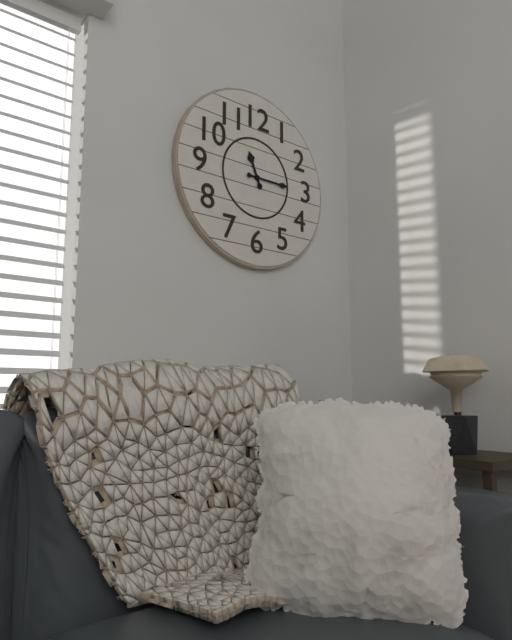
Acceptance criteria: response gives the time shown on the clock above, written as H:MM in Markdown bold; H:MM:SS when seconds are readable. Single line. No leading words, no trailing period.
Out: **11:15**
